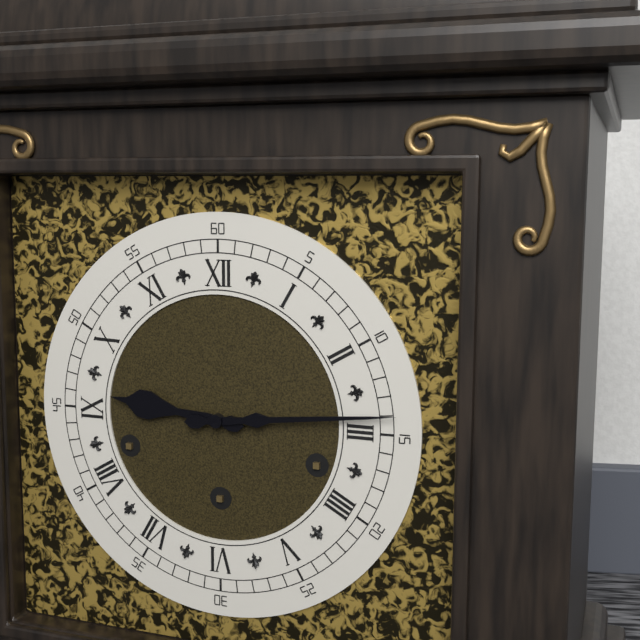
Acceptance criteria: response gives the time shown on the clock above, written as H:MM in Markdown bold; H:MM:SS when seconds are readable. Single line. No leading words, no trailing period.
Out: **9:14**
